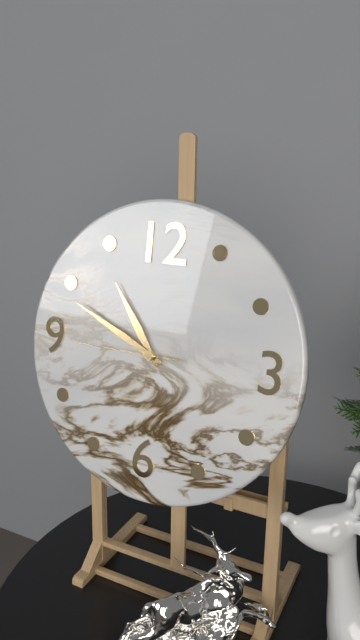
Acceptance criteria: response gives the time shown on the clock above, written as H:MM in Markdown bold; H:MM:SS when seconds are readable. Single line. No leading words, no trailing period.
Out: **10:49:45**
